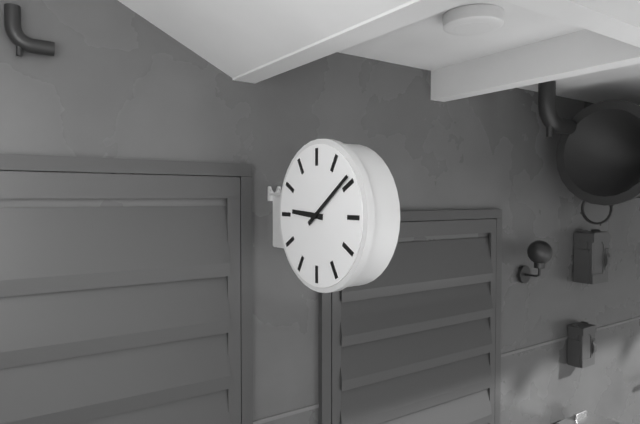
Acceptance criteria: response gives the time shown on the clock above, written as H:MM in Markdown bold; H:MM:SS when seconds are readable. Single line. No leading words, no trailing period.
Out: **9:09**
